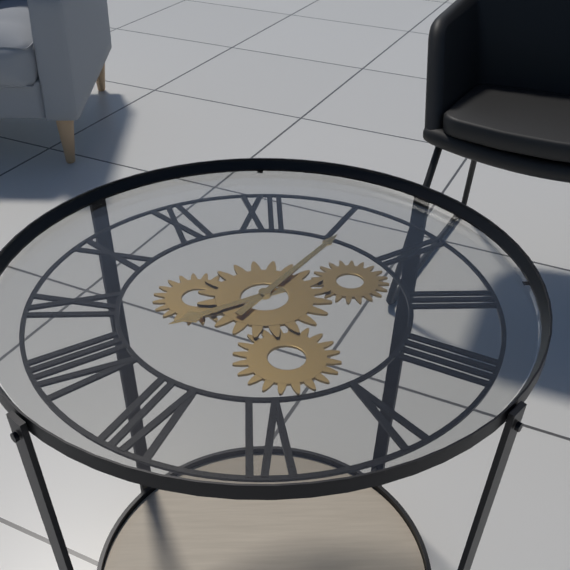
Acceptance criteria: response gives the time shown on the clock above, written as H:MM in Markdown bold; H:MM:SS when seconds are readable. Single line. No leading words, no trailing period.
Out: **8:06**
